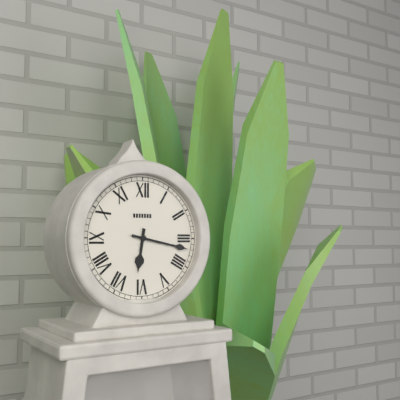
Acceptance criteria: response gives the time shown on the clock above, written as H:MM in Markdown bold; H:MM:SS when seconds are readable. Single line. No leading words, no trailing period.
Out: **6:17**
